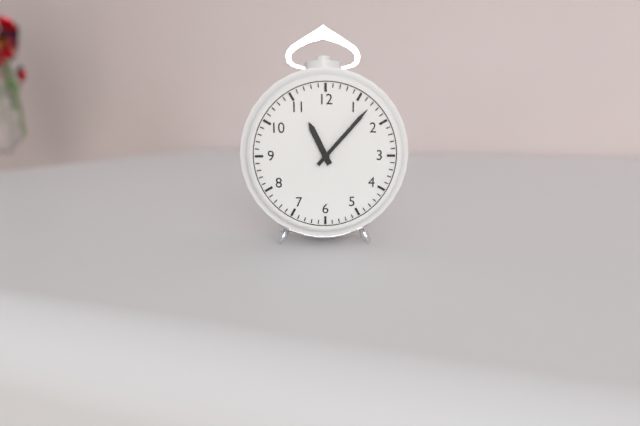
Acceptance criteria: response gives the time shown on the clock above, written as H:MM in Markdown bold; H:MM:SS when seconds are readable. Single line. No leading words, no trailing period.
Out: **11:07**
